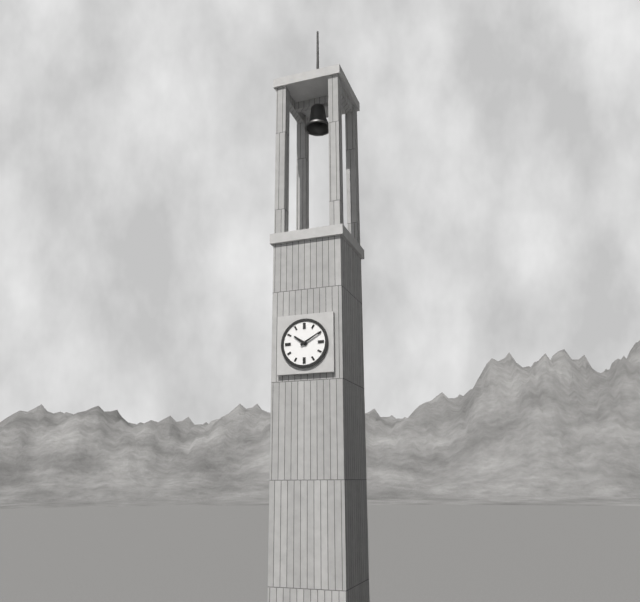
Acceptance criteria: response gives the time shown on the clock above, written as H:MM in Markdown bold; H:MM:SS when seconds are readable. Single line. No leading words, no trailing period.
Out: **10:10**
